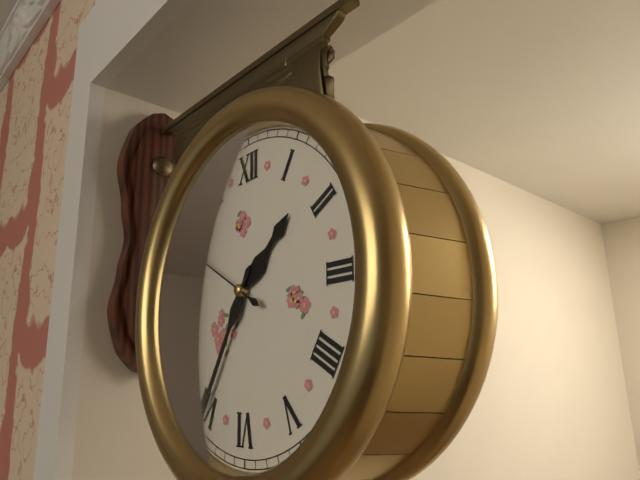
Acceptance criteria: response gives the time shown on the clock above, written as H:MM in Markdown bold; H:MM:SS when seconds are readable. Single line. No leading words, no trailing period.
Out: **1:35:50**
